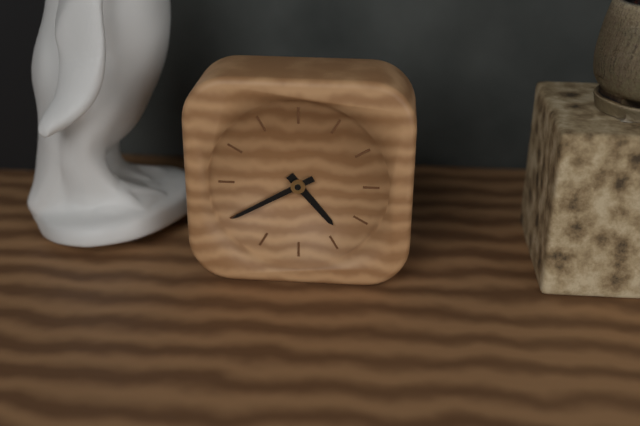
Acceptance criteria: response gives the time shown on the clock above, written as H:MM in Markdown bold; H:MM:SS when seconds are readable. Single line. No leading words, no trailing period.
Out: **4:40**
